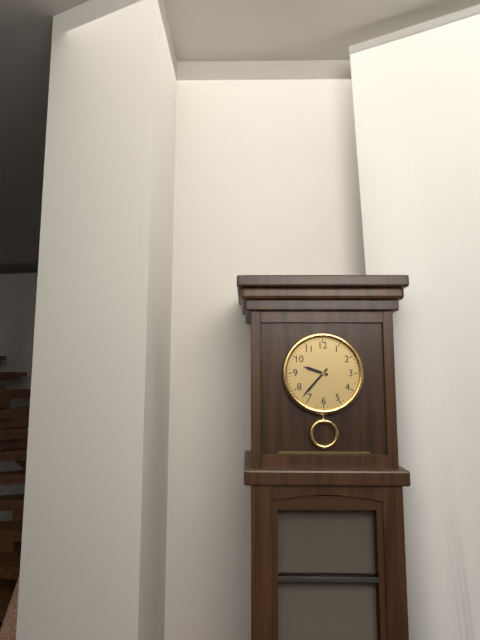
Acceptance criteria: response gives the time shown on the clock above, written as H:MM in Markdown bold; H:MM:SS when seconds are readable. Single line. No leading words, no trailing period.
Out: **9:37**
